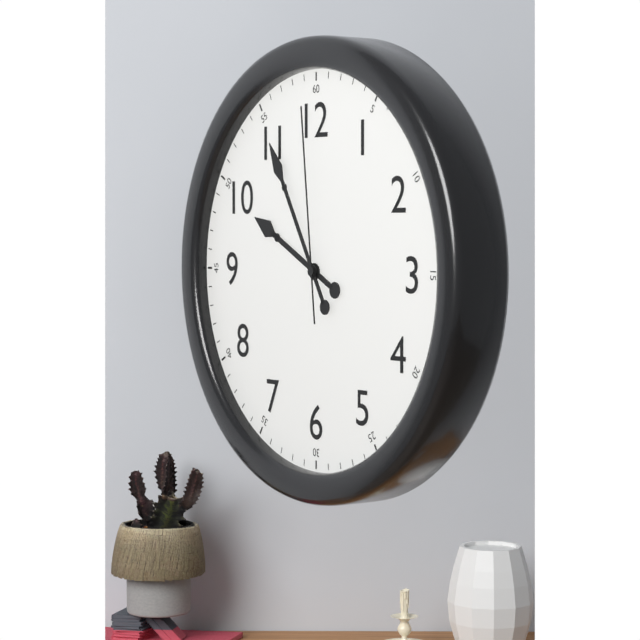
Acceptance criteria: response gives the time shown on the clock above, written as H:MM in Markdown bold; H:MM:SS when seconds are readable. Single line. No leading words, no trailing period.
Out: **9:55:59**
